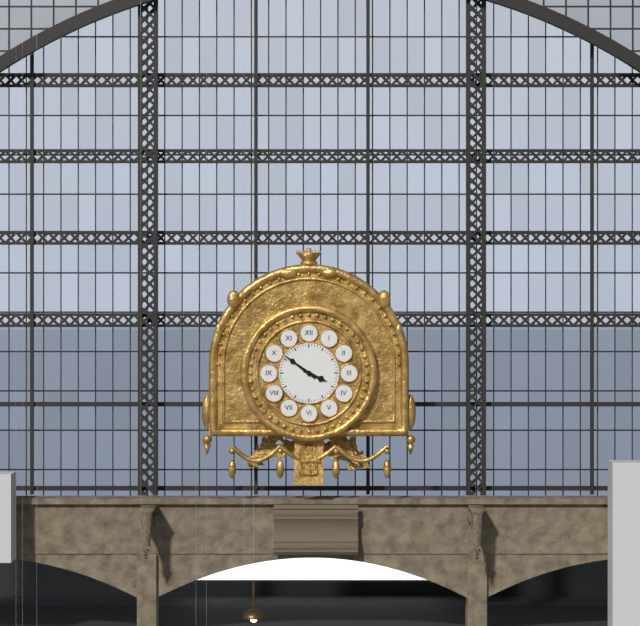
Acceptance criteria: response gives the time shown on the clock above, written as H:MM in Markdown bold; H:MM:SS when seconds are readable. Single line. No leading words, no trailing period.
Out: **3:51**
